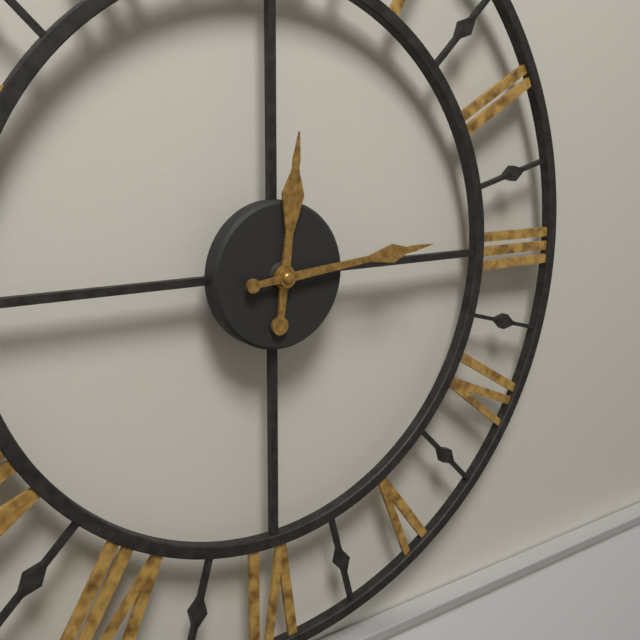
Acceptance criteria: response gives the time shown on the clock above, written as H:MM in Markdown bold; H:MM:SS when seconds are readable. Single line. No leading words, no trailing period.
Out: **12:14**
